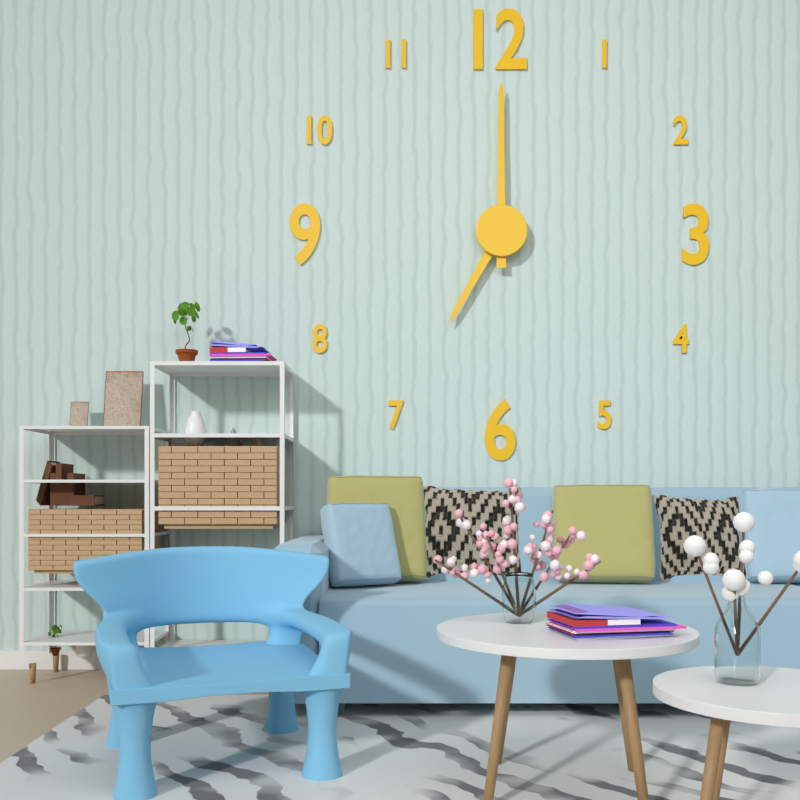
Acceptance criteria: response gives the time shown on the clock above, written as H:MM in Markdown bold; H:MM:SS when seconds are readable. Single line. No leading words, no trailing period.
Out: **7:00**
